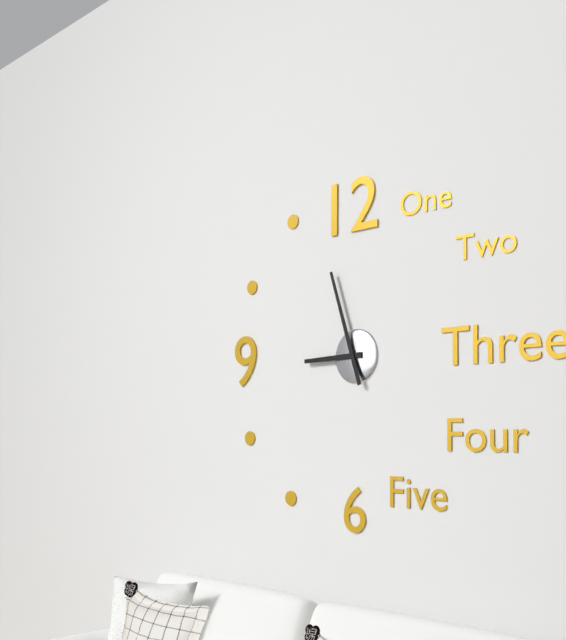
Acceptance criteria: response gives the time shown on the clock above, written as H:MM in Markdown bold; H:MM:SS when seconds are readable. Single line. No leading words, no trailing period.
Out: **8:57**
